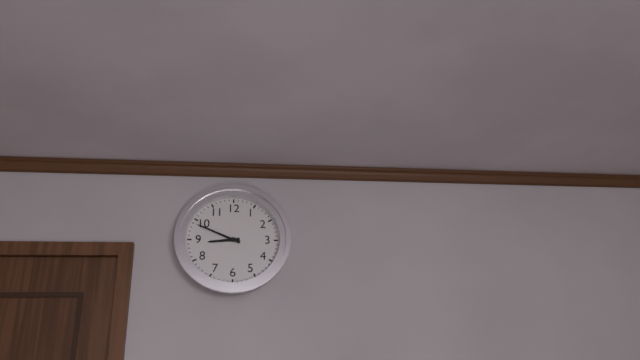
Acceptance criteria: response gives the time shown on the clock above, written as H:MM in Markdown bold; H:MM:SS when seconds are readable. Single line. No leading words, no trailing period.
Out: **8:49**
